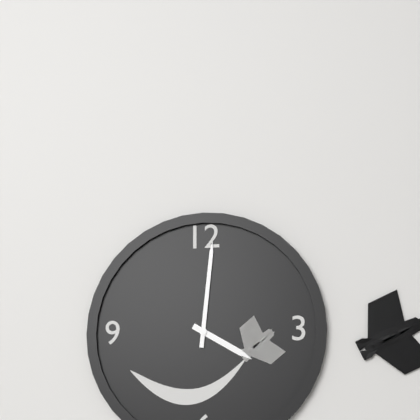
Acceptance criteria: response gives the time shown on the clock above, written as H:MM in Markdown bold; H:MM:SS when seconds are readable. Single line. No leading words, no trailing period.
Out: **4:01**
